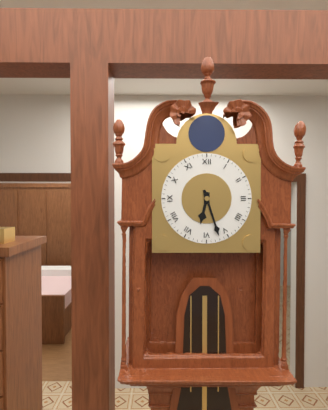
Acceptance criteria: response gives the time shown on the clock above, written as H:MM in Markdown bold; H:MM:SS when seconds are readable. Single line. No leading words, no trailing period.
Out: **6:27**
